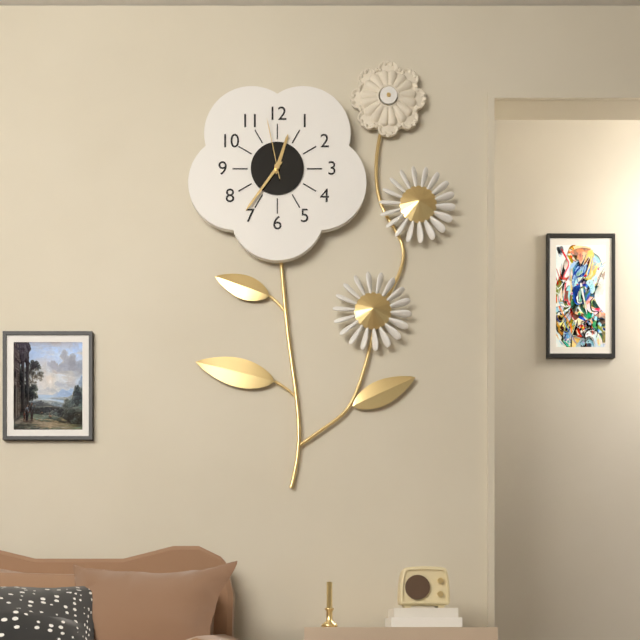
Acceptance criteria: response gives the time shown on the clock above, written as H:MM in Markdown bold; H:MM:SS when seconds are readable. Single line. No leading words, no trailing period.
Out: **12:36:58**
